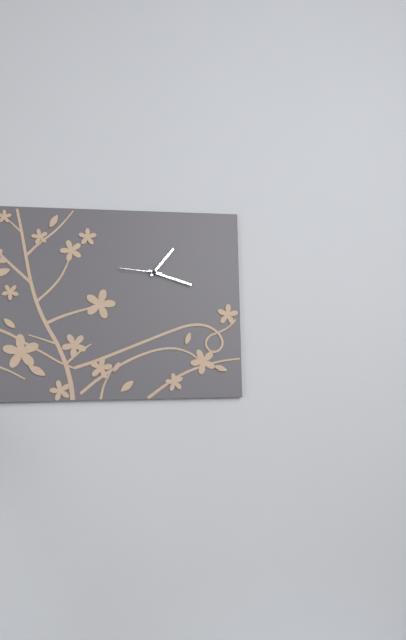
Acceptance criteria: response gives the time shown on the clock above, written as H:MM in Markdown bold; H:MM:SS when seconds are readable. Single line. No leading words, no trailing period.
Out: **1:18**
